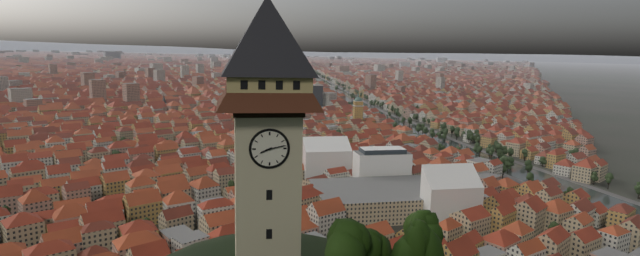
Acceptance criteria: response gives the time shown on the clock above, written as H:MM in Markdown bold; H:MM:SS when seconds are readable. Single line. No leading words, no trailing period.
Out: **8:13**
